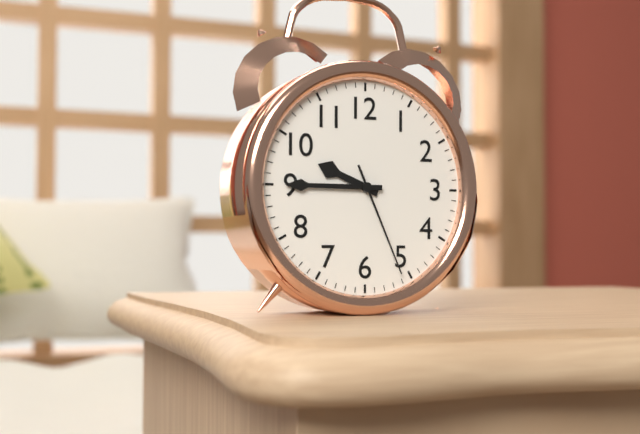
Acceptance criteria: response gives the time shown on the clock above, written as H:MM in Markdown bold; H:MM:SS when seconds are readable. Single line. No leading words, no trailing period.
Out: **9:45:26**
